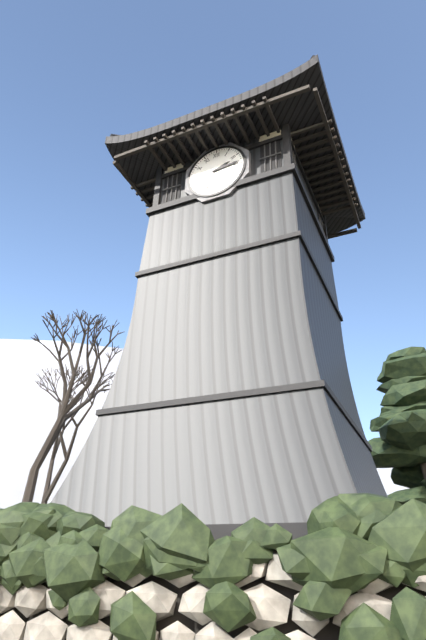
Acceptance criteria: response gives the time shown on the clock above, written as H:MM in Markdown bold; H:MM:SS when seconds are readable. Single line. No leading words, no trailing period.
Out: **2:14**
